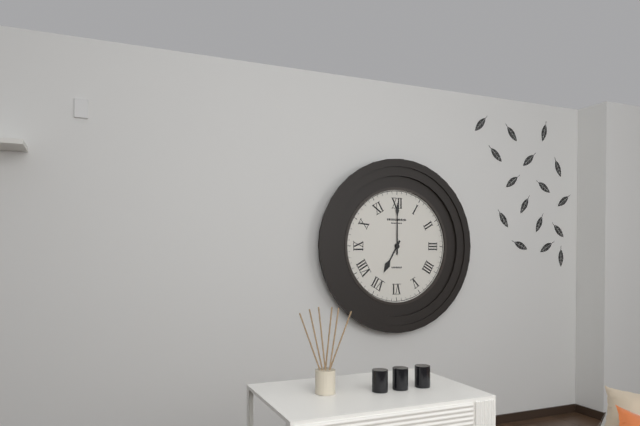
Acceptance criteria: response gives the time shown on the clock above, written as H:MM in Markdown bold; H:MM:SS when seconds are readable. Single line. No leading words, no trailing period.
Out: **7:00**
